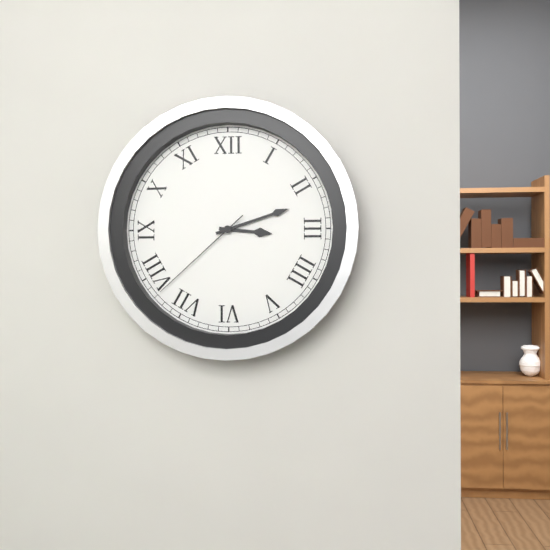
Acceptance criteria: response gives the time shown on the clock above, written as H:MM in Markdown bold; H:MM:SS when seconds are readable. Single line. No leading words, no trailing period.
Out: **3:12:38**
